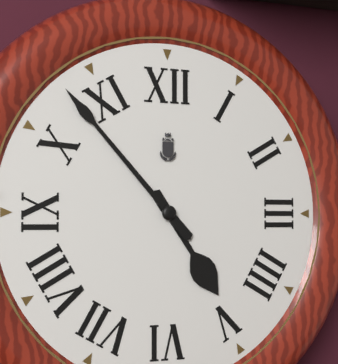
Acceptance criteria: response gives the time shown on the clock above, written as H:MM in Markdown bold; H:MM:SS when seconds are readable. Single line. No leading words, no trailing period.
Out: **4:53**
